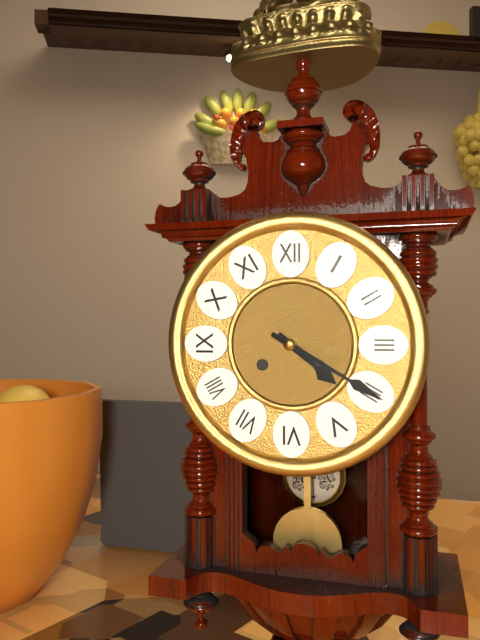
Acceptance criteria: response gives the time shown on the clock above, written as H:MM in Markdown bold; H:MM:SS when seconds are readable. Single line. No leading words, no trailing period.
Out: **4:20**
